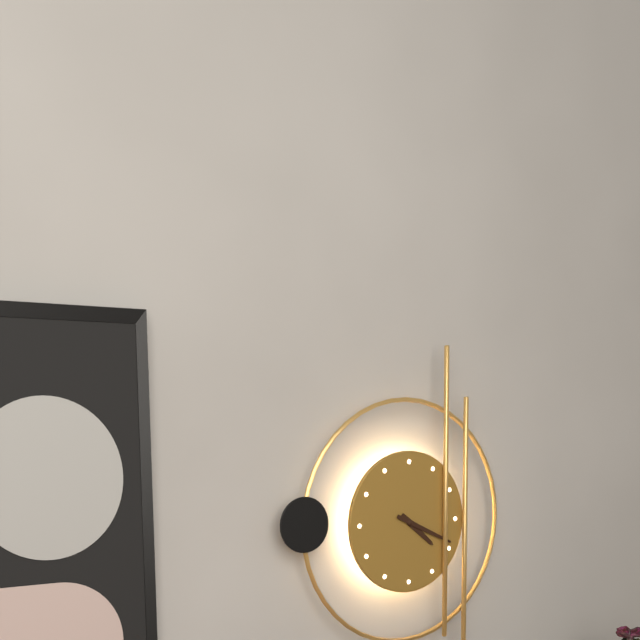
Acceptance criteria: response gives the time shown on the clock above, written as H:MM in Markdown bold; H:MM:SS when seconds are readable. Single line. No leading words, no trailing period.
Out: **4:19**
